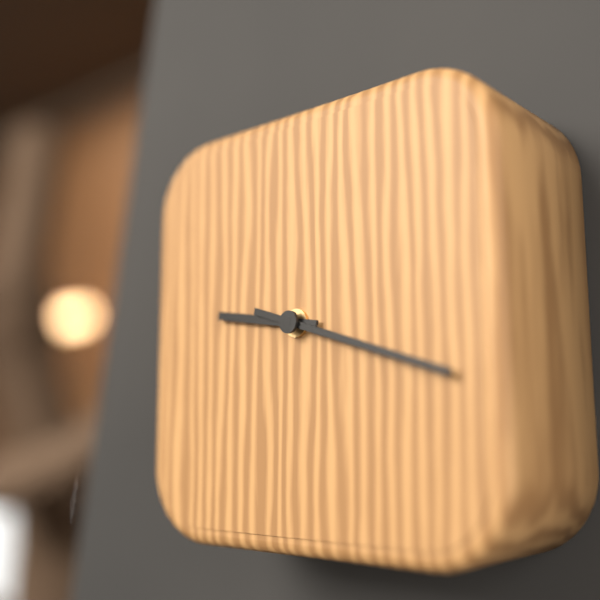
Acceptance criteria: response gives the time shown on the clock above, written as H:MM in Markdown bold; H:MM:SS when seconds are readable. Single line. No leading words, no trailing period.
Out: **9:18**
